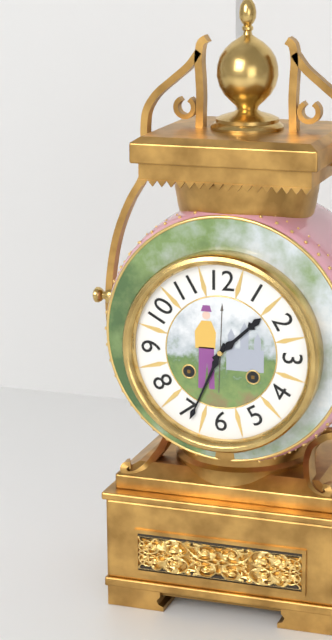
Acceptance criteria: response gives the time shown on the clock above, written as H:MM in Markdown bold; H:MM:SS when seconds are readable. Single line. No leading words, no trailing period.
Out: **1:34**
